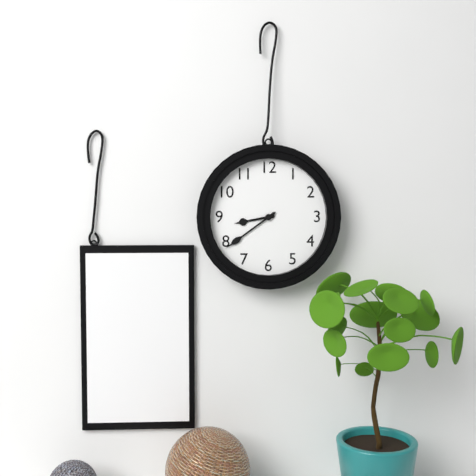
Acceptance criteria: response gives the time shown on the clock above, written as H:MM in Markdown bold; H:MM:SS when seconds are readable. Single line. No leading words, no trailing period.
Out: **8:39**
